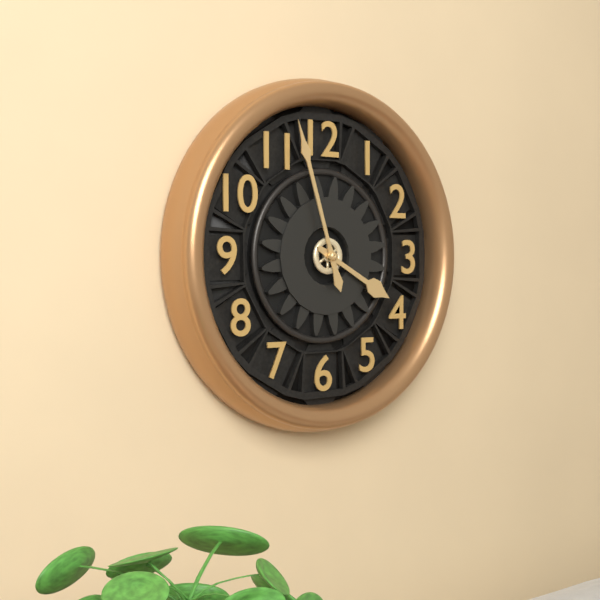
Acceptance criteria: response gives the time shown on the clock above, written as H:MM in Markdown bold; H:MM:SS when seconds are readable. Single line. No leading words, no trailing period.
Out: **3:57**
